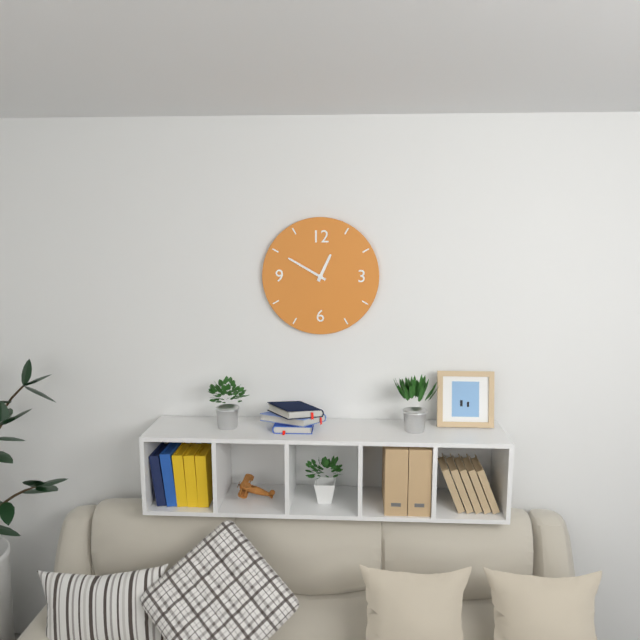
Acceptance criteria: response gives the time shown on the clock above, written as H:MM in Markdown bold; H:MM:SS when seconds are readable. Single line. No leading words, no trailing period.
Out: **12:50**
